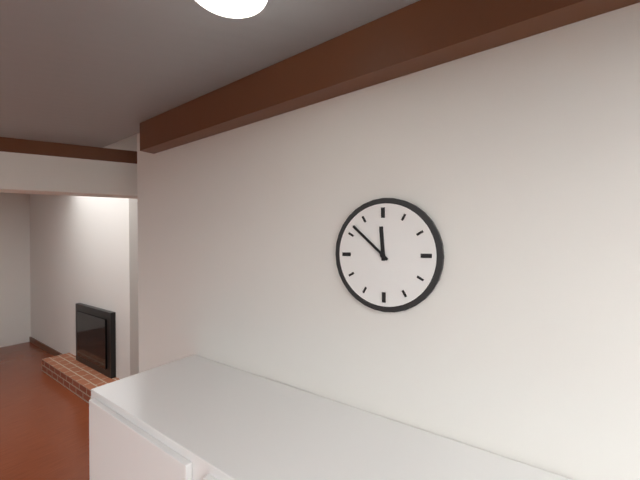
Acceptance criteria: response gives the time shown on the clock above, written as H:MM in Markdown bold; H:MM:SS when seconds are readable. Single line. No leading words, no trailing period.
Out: **11:52**
